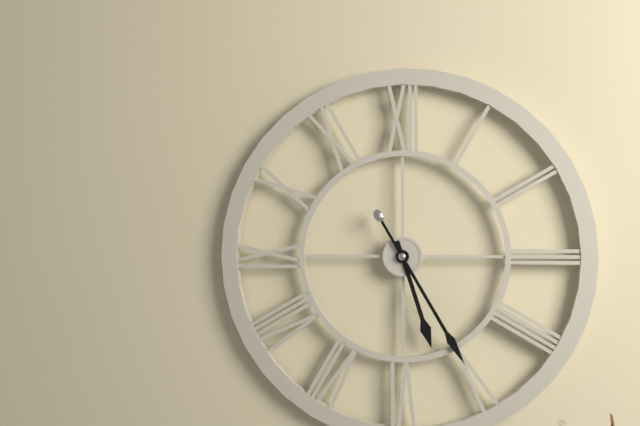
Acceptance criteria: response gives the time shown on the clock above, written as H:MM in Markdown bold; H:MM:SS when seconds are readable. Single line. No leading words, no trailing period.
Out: **5:25**
